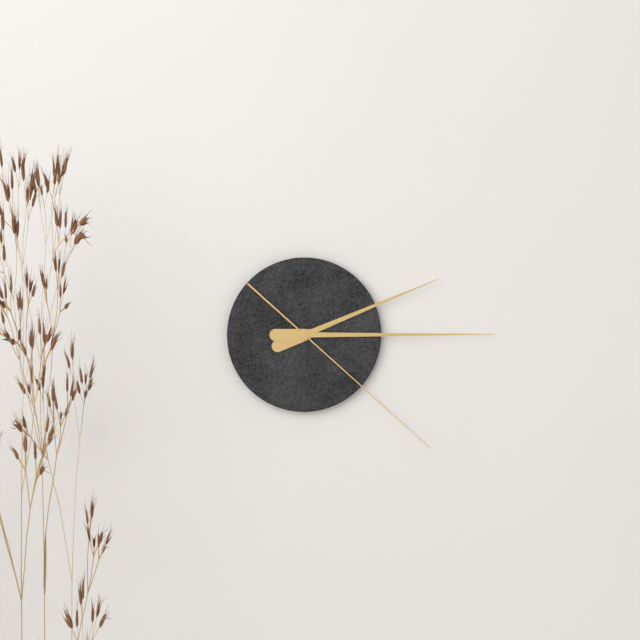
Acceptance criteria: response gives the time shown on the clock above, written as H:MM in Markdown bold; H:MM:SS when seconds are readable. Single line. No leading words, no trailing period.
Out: **2:15:22**
